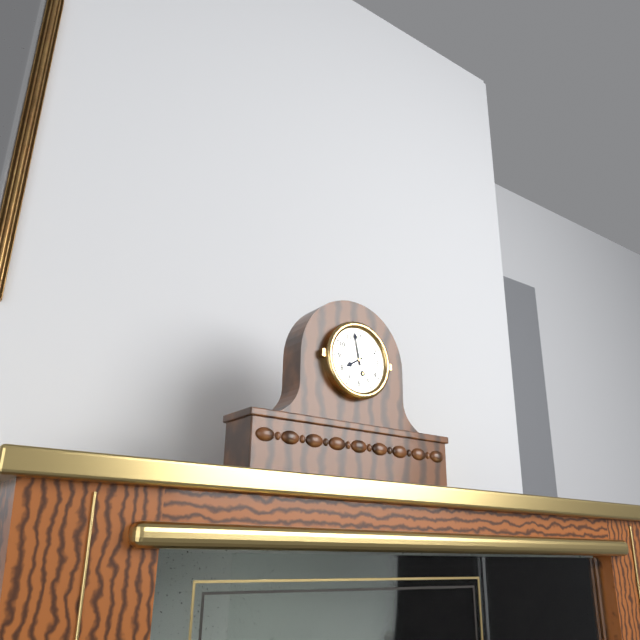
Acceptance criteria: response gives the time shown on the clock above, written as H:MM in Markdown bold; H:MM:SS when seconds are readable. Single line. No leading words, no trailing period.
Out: **7:58**
